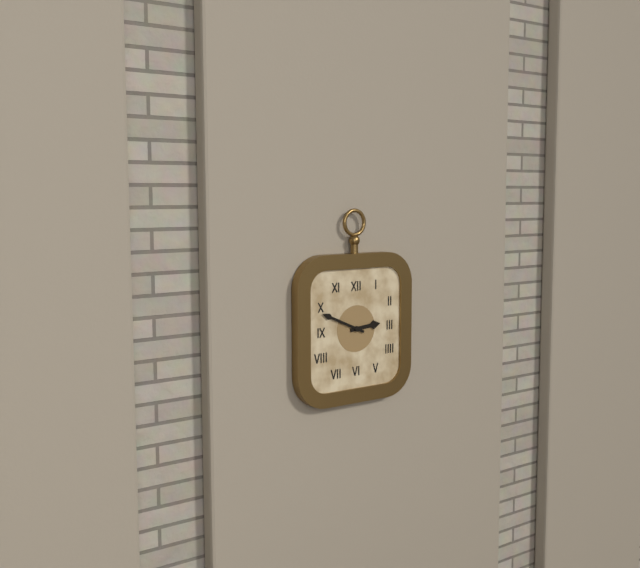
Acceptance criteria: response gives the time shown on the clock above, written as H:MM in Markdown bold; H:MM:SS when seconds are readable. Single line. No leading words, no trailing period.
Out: **2:49**
